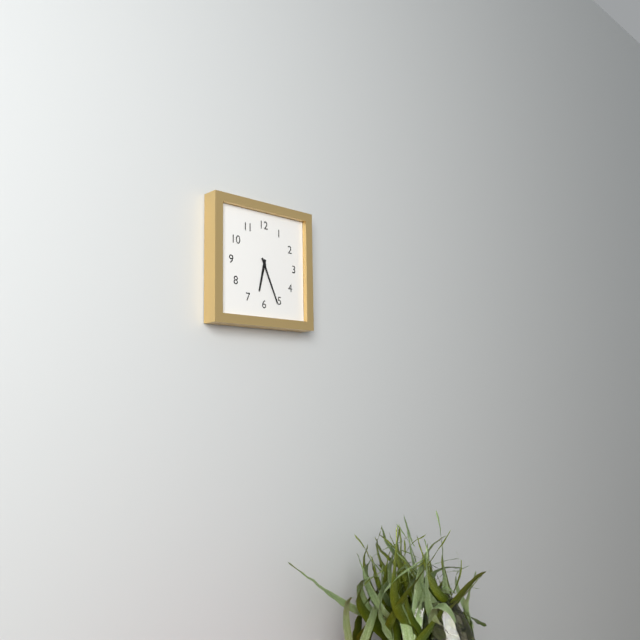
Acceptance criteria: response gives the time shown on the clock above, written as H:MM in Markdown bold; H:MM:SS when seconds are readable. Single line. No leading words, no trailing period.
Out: **6:26**
